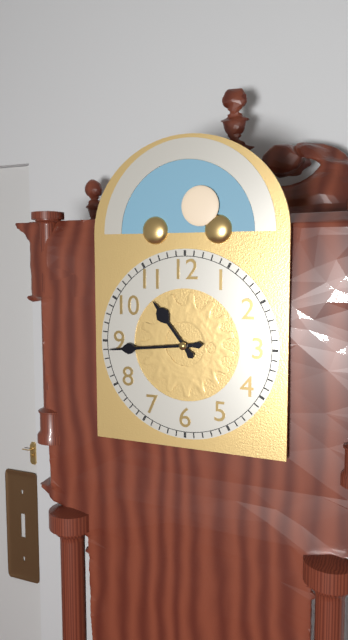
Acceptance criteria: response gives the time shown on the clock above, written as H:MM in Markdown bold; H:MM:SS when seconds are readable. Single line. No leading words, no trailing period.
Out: **10:44**
